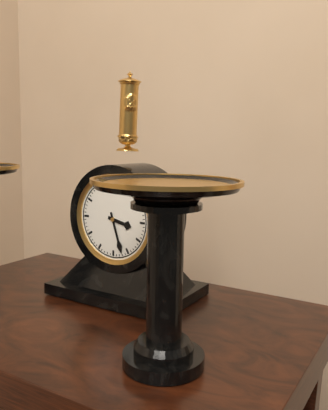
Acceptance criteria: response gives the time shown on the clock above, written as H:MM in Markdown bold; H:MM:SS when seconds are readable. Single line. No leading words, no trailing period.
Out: **3:27**
